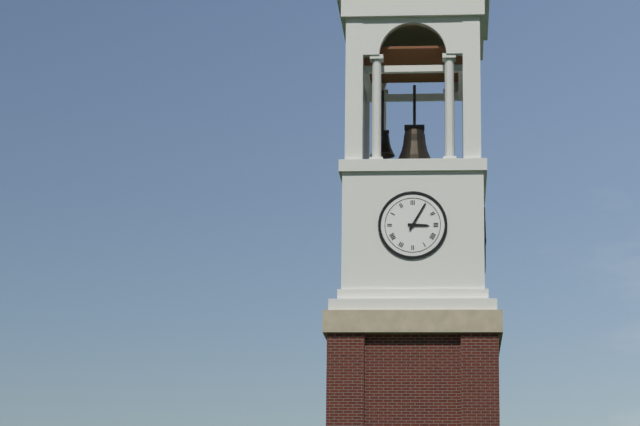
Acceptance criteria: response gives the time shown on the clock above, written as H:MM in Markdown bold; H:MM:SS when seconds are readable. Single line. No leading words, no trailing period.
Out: **3:05**
